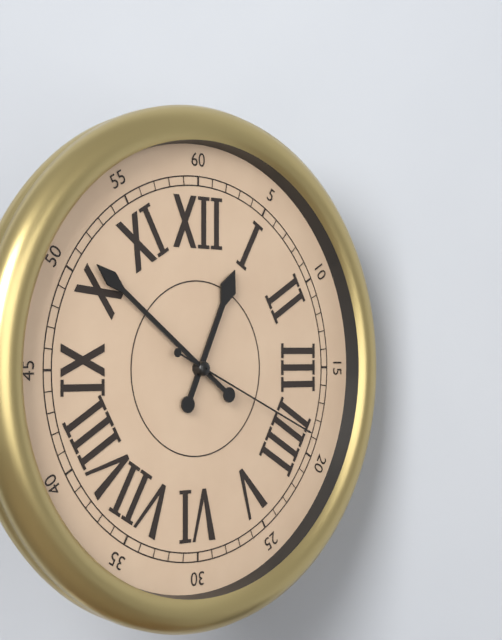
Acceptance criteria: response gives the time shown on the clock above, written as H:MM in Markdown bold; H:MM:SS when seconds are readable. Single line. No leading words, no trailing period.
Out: **12:51:19**
